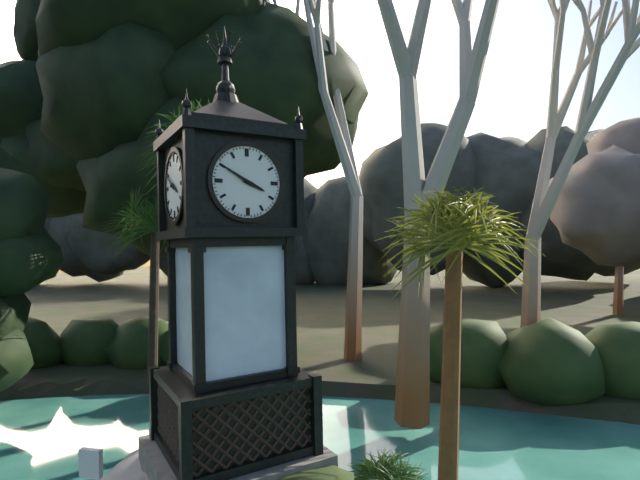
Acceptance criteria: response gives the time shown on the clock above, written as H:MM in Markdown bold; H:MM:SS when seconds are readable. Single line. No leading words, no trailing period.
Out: **3:50**
